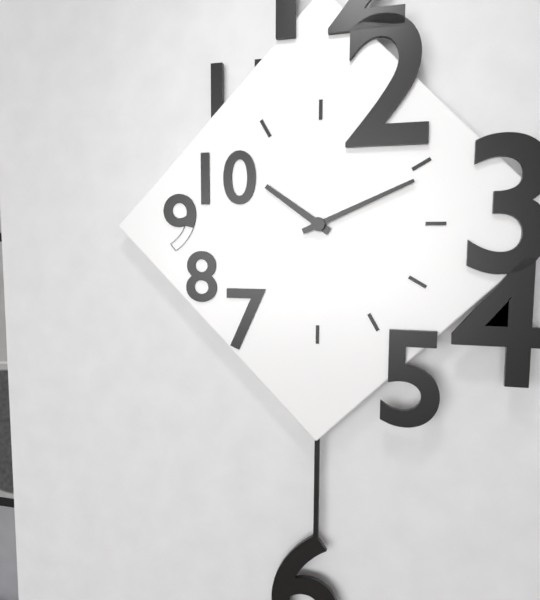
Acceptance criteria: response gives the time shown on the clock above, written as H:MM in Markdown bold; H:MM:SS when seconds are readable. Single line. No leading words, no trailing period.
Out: **10:11**
